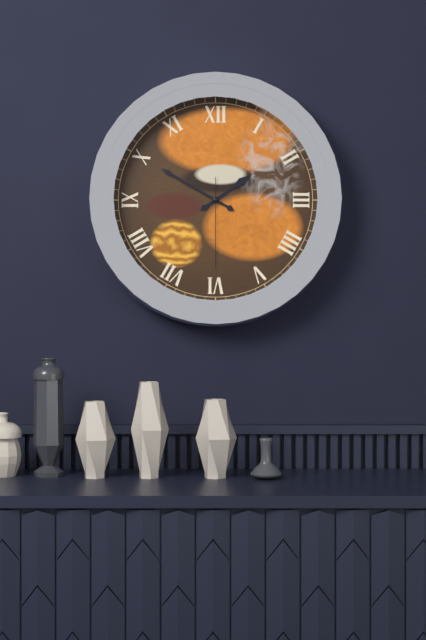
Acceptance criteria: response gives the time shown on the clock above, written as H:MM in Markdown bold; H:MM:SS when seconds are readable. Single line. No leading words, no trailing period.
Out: **1:50:30**
